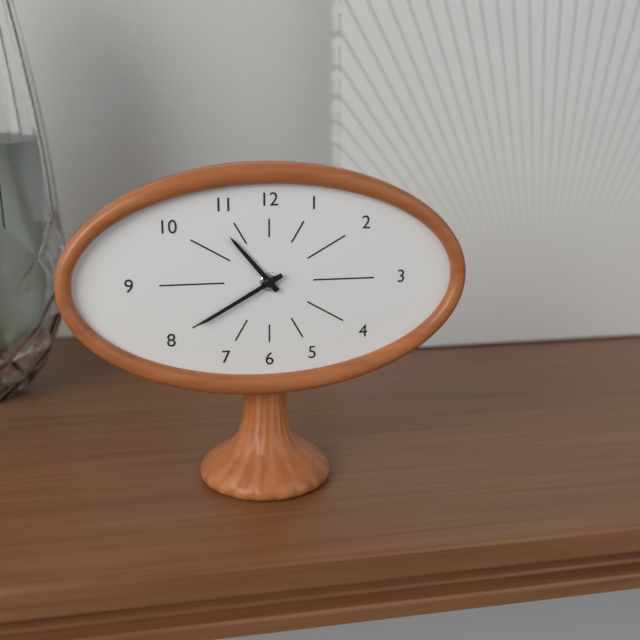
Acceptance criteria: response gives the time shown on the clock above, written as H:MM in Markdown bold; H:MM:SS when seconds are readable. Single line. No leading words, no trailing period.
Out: **10:40**
